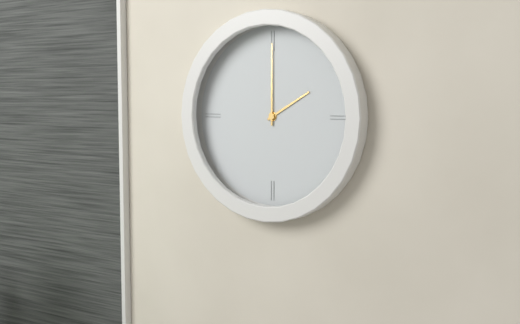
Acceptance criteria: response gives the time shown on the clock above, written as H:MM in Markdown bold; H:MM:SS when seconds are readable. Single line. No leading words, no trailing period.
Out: **2:00**
